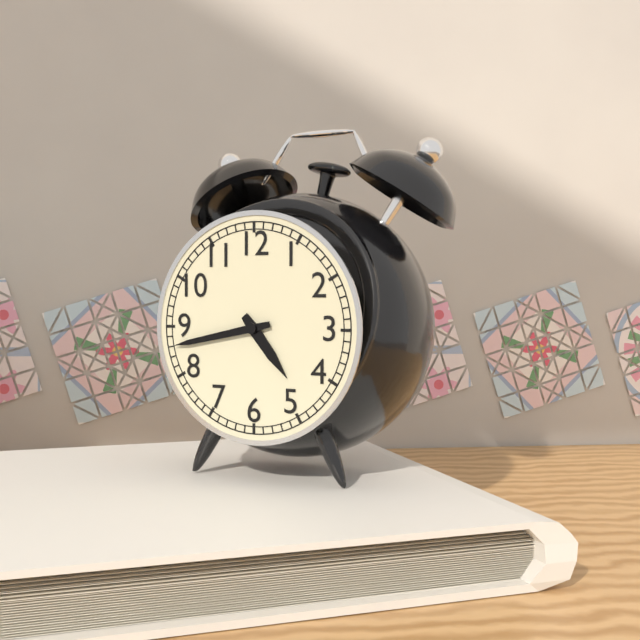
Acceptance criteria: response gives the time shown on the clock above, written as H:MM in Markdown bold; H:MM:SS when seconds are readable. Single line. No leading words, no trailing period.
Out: **4:43**
